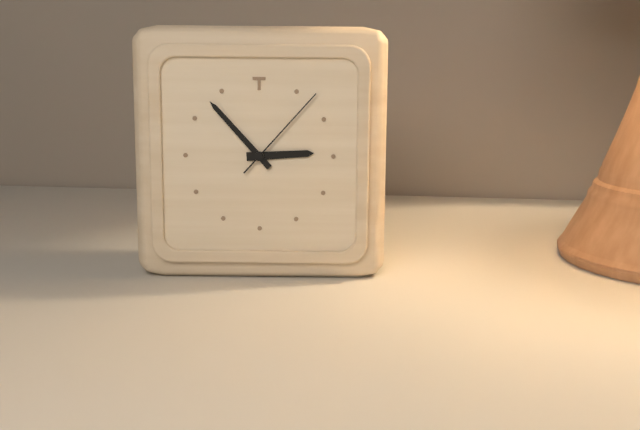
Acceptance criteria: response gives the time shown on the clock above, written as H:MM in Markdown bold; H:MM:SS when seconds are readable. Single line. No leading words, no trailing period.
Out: **2:53:07**
